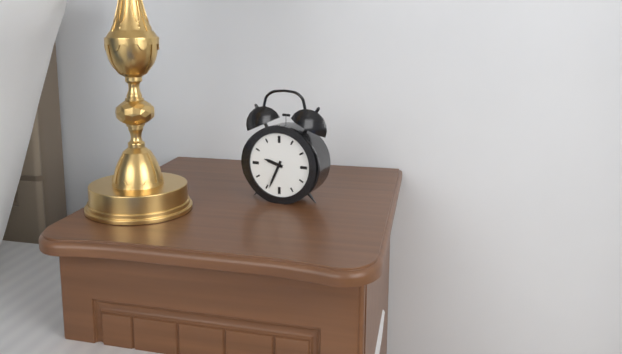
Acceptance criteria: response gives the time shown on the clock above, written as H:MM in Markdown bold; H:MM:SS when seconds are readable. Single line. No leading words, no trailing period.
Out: **9:34**
